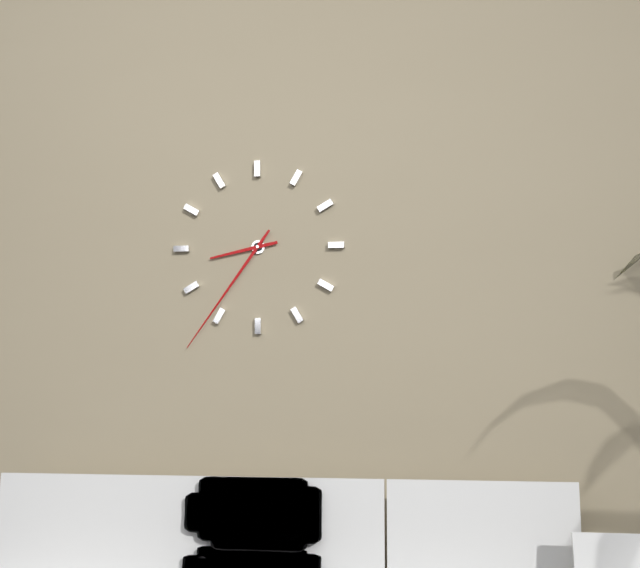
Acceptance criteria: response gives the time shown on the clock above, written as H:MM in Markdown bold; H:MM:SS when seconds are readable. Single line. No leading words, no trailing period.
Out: **8:36**
